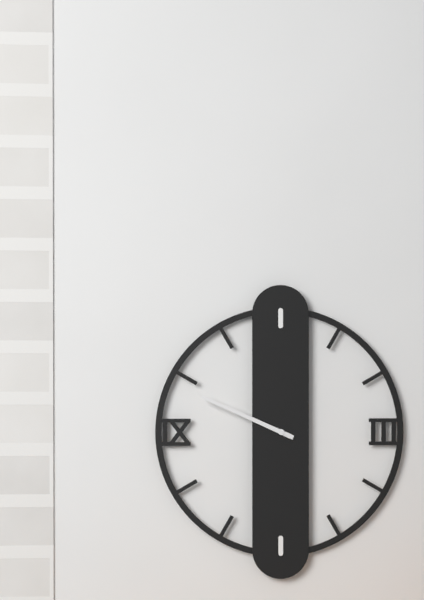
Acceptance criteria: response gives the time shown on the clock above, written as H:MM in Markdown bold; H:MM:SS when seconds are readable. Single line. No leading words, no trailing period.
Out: **9:49**
